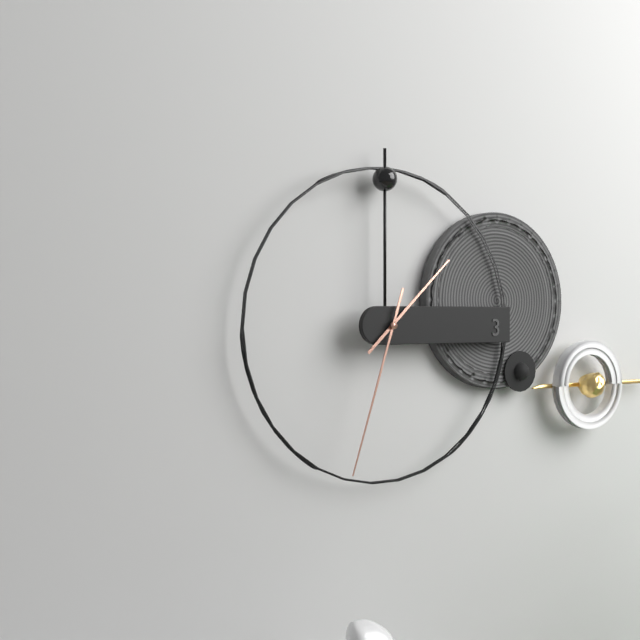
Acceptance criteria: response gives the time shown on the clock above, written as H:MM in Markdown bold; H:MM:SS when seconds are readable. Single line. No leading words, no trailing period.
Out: **1:33**
